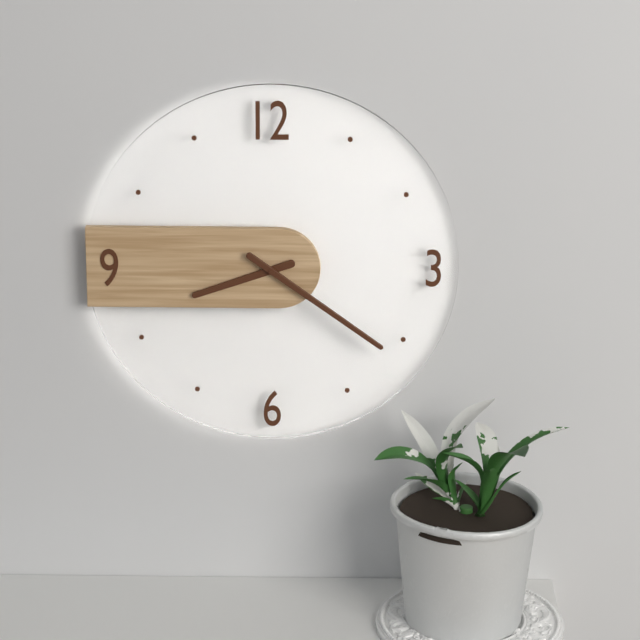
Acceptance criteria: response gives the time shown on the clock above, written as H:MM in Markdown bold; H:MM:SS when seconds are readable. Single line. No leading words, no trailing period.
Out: **8:21**
